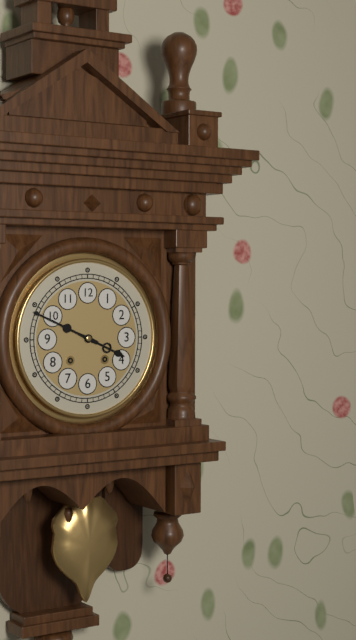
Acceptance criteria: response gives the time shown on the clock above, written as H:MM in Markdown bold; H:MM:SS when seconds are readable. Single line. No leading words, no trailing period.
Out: **3:49**
